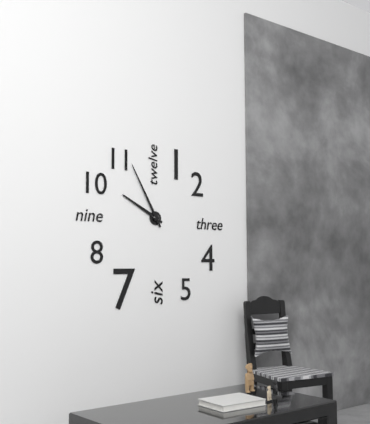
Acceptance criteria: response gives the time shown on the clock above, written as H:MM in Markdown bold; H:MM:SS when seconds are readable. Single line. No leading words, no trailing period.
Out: **9:55**
